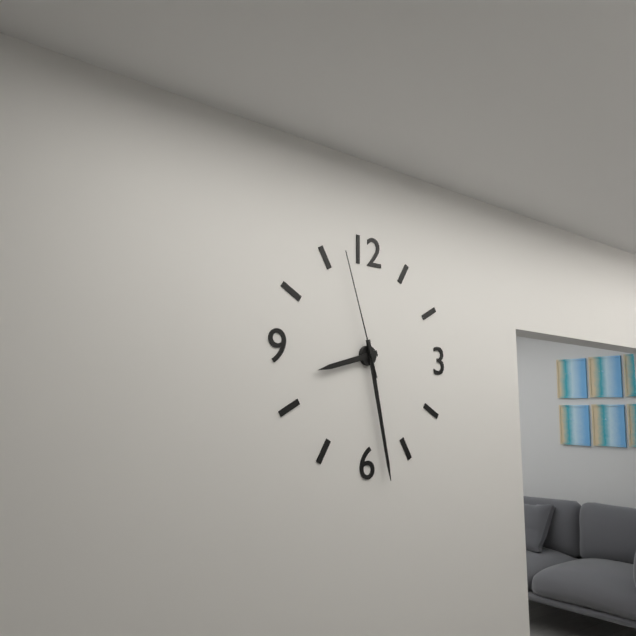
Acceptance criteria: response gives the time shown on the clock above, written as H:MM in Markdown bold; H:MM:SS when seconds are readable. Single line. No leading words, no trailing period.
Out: **8:28:57**
